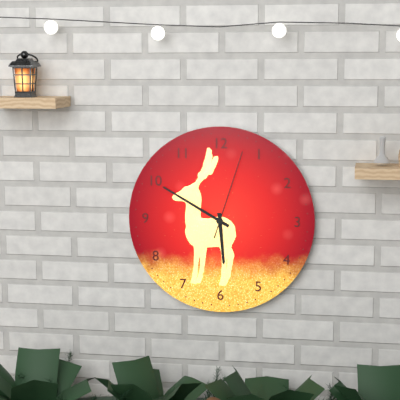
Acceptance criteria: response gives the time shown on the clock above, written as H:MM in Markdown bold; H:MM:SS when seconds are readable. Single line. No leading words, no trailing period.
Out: **5:50:03**
